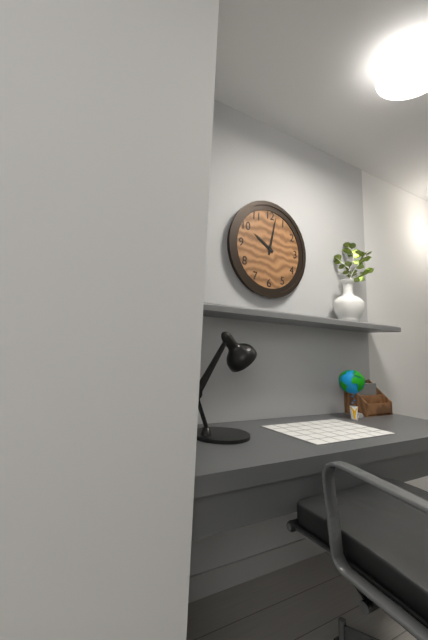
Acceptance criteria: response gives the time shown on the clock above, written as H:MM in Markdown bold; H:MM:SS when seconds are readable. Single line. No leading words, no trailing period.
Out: **10:02**
